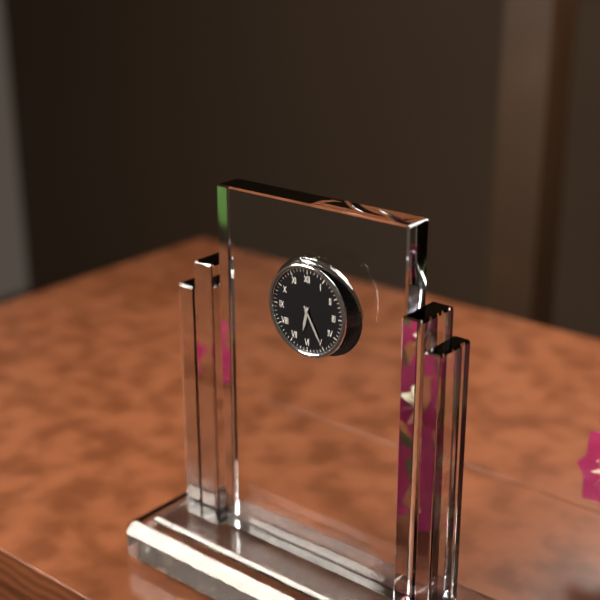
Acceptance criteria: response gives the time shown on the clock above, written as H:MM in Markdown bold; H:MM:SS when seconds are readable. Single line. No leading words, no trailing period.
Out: **6:25**
